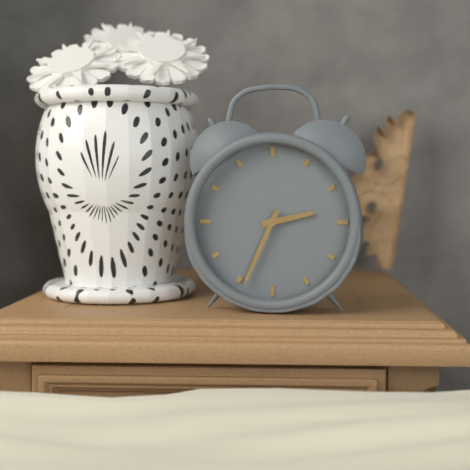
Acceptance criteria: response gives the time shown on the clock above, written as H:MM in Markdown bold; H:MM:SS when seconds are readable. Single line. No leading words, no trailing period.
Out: **2:34**
